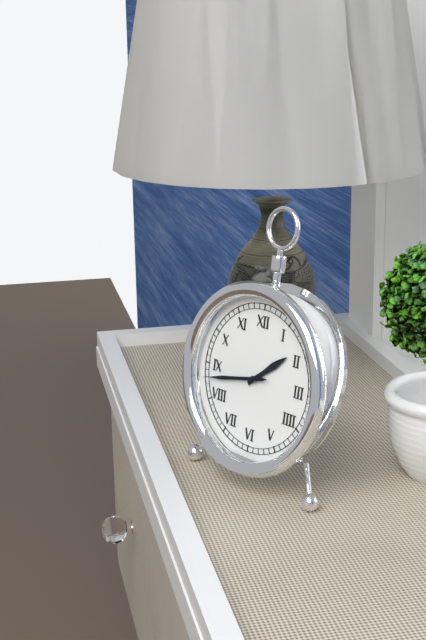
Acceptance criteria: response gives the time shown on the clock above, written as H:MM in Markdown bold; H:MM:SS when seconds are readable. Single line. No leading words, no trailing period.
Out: **1:43:43**
